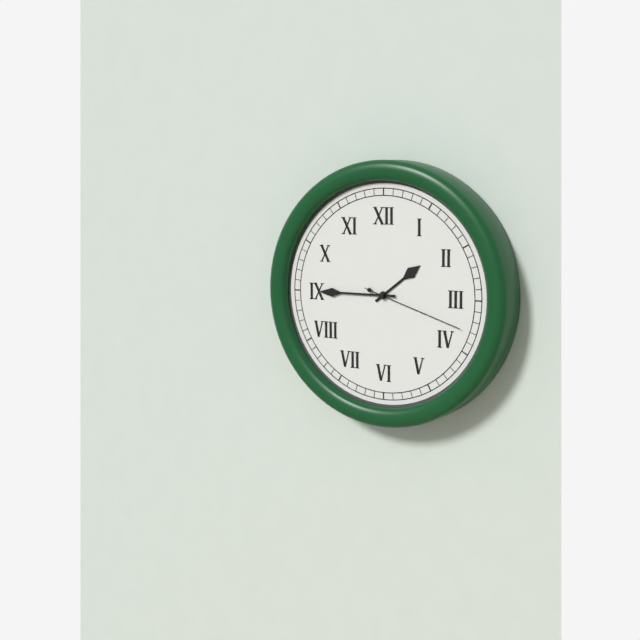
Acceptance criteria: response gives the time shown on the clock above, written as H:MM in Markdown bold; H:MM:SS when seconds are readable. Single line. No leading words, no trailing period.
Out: **1:45:18**
